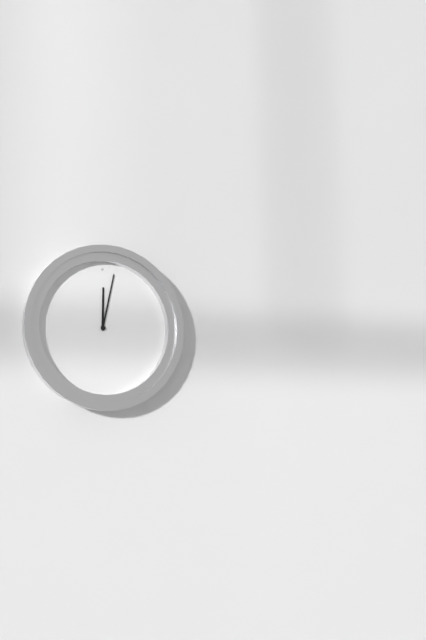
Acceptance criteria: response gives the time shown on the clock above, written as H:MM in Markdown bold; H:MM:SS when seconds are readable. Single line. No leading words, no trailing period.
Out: **12:02**
